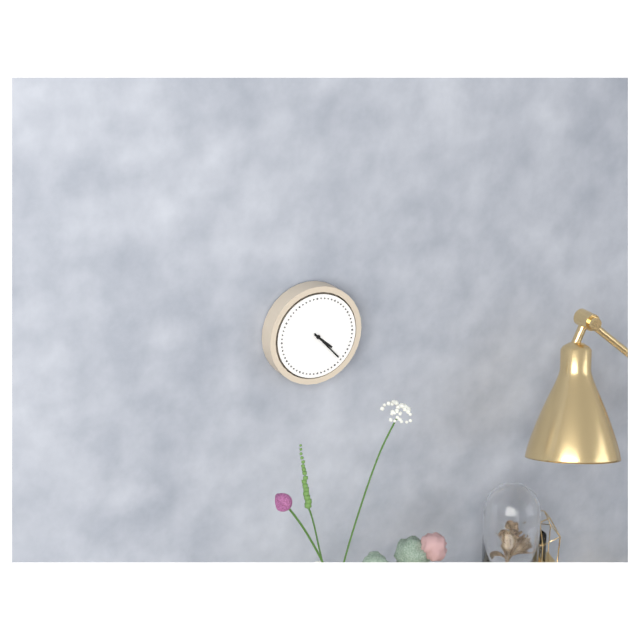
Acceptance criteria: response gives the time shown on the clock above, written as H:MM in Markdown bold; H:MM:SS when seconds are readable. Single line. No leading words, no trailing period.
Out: **4:23**
